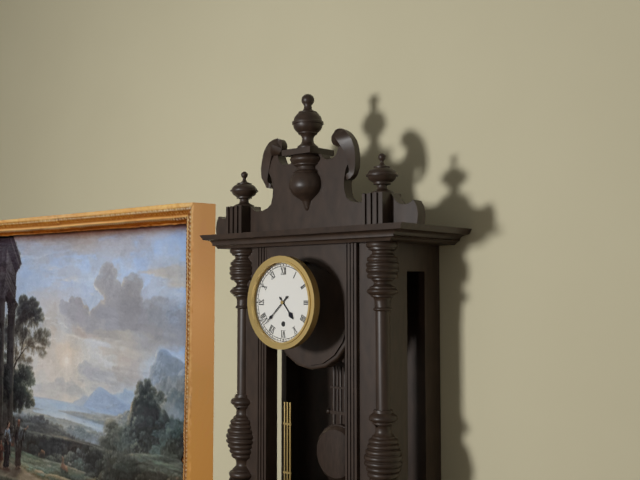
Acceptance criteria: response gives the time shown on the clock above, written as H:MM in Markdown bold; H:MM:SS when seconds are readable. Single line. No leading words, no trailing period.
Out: **4:38**
